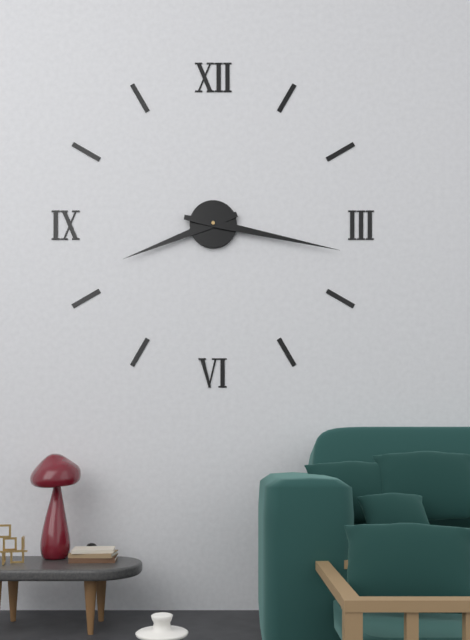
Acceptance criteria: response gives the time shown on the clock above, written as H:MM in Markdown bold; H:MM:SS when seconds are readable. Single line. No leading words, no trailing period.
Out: **8:17**
